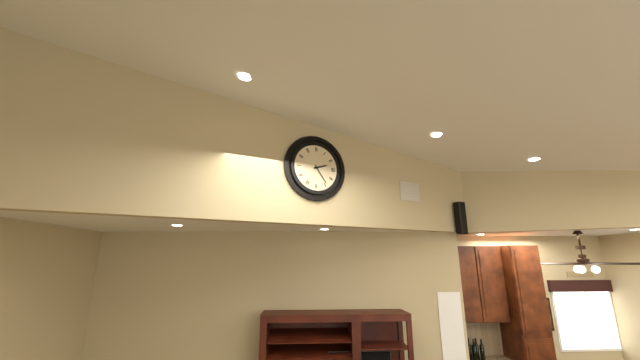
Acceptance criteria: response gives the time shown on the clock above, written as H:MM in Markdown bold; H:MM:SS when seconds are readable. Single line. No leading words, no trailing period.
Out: **2:24**
